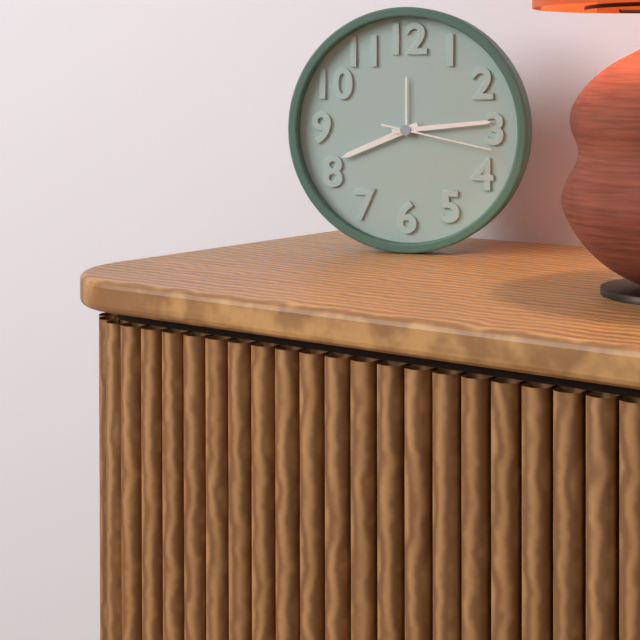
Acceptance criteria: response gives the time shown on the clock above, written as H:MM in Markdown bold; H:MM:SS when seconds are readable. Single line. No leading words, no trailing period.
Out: **8:14:17**
